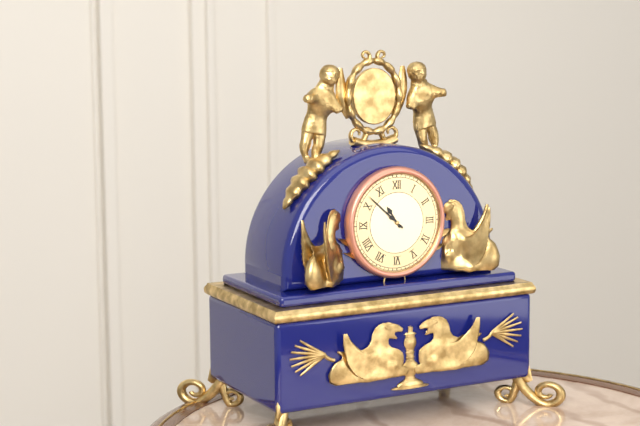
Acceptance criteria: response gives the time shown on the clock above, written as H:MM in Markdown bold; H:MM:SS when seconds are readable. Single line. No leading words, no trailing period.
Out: **10:52**
